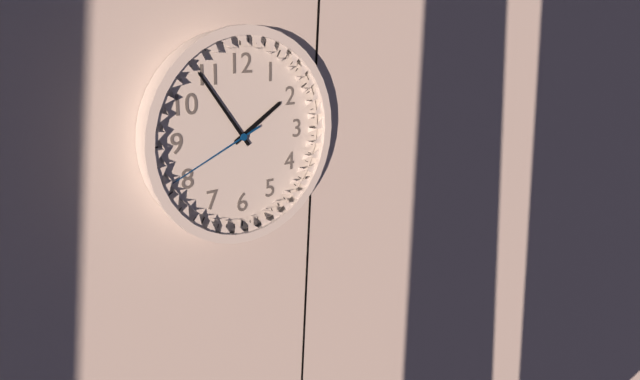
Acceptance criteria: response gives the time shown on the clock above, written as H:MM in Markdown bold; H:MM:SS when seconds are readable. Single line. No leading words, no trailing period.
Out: **1:54:41**
